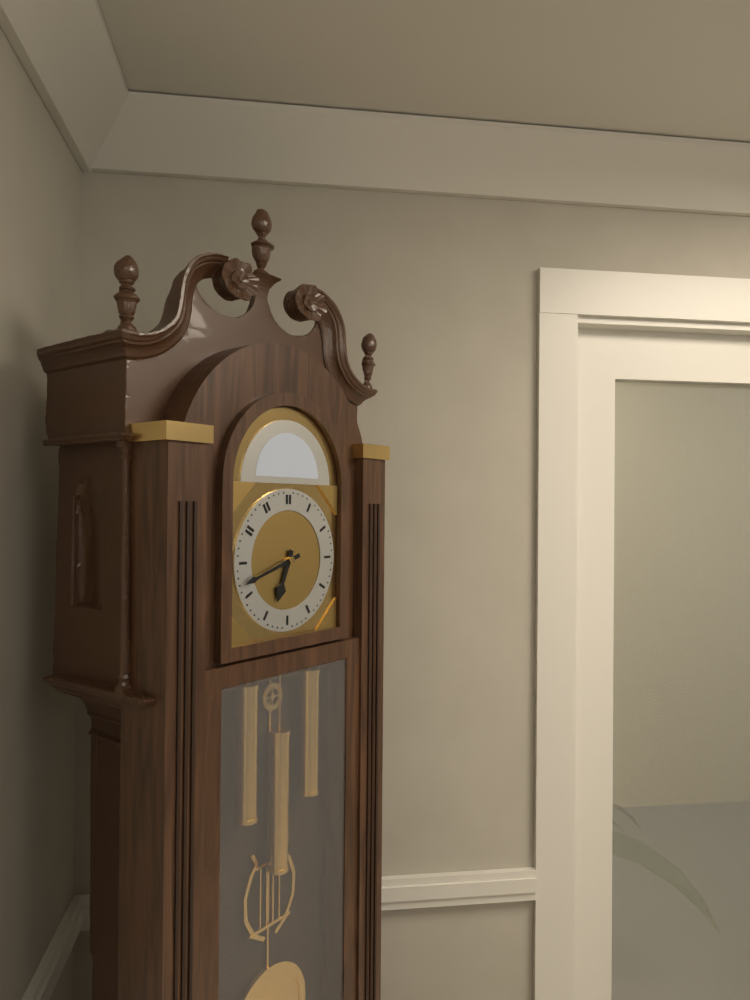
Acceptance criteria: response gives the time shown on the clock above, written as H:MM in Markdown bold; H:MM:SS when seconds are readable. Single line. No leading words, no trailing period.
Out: **6:42**
